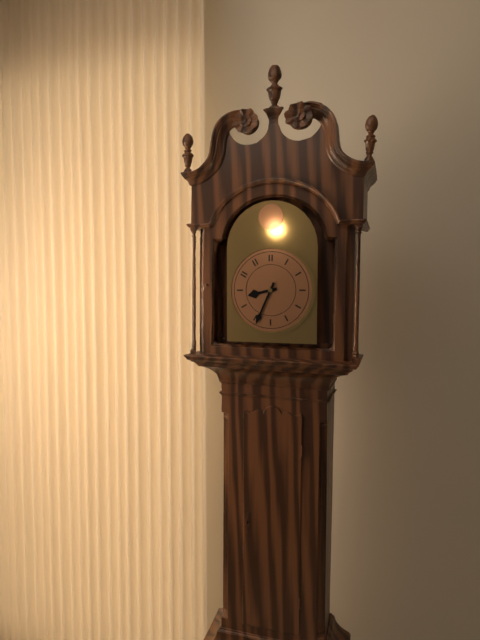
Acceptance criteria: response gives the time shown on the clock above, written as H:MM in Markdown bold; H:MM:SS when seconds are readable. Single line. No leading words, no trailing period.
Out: **8:34**
